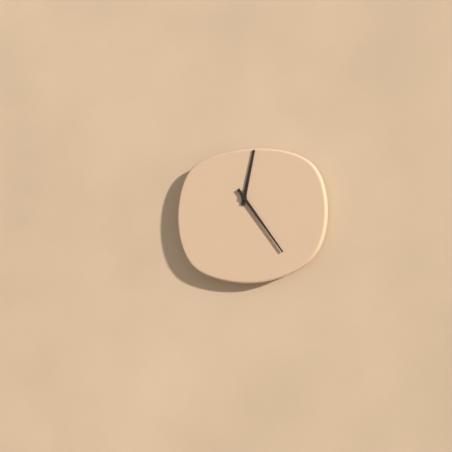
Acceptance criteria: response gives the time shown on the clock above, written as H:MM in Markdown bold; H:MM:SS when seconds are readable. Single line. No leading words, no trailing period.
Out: **12:24**
